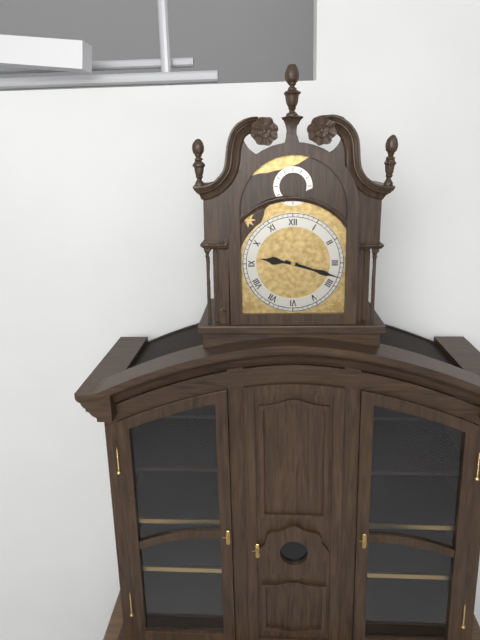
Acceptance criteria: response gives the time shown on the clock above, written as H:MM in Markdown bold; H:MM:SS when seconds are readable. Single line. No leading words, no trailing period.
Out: **9:18**
